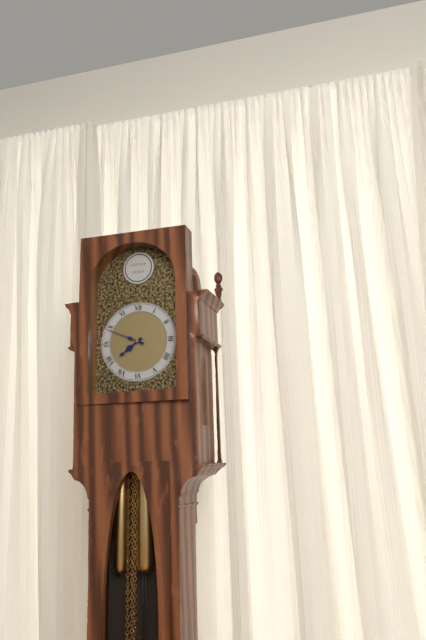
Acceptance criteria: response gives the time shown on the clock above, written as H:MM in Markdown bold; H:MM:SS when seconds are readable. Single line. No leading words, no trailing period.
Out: **7:49**
